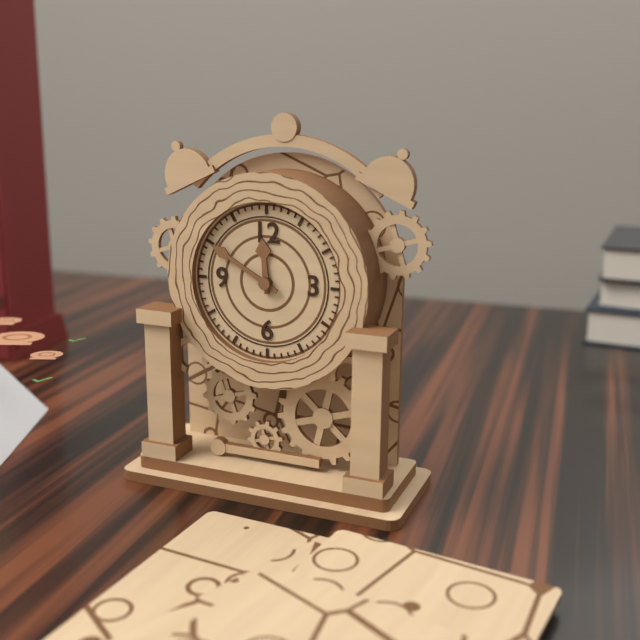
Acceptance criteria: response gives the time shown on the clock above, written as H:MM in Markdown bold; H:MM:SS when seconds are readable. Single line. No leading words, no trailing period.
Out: **11:50**
